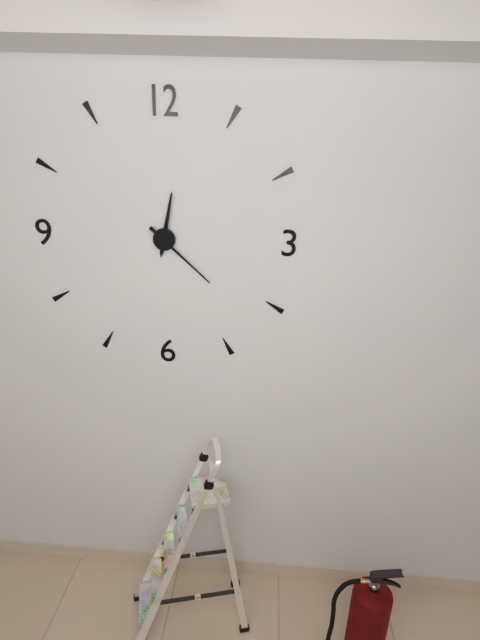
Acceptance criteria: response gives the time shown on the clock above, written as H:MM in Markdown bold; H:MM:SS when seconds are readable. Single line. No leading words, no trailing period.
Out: **12:22**
